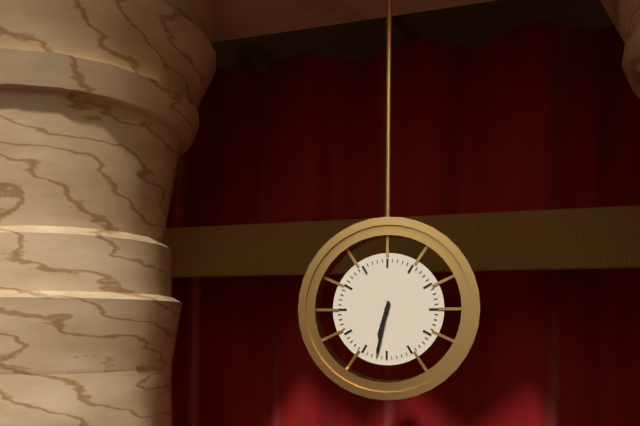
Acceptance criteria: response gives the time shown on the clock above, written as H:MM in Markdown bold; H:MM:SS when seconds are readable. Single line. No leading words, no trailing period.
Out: **6:32**
